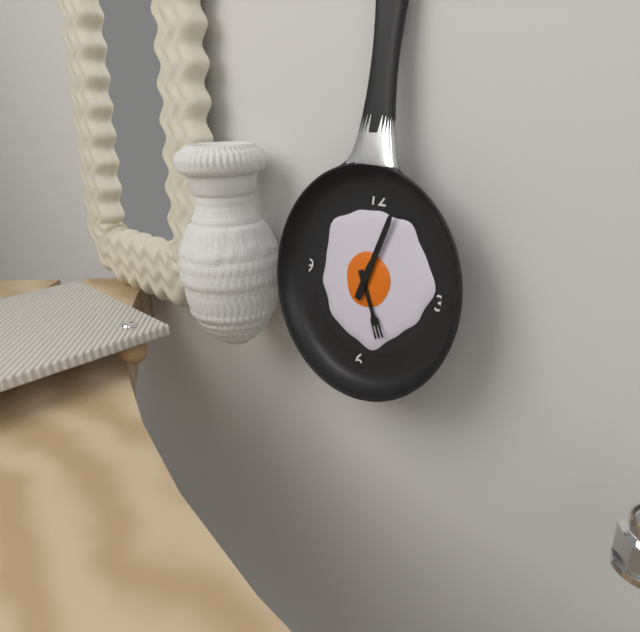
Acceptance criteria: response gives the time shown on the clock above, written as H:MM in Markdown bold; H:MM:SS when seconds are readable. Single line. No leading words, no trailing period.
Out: **5:03**
